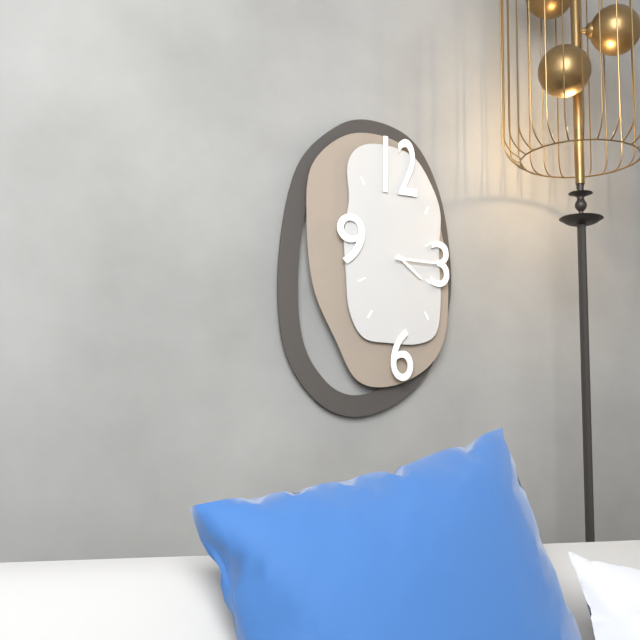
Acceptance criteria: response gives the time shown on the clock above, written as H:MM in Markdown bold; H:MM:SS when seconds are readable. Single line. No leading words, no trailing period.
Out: **4:15**
